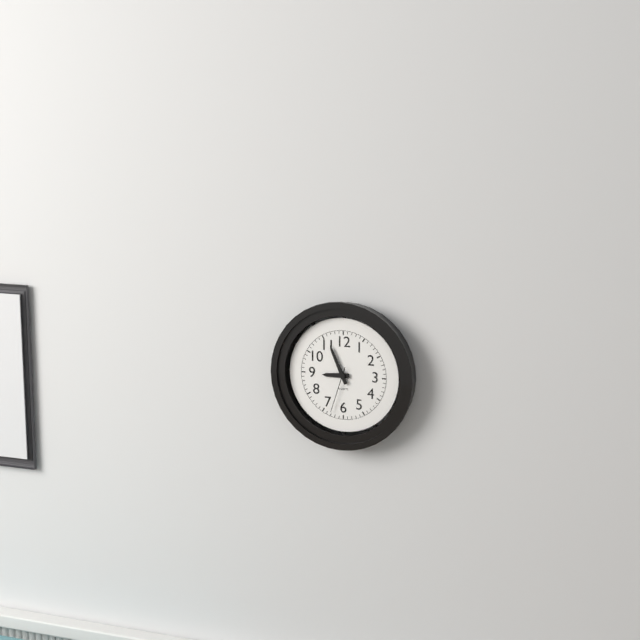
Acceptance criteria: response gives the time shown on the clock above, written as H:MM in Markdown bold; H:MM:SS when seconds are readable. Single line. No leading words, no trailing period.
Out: **8:56**
